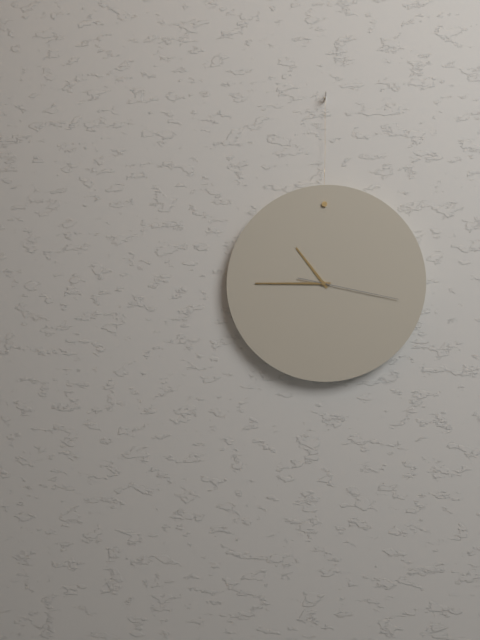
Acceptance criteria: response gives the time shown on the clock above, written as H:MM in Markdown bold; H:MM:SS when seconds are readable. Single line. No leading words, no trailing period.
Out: **10:45:17**
